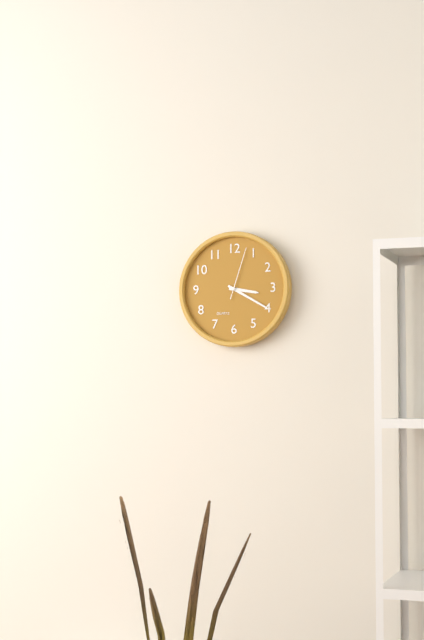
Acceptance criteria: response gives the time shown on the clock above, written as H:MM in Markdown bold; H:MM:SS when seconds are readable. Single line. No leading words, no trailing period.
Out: **3:20:03**
